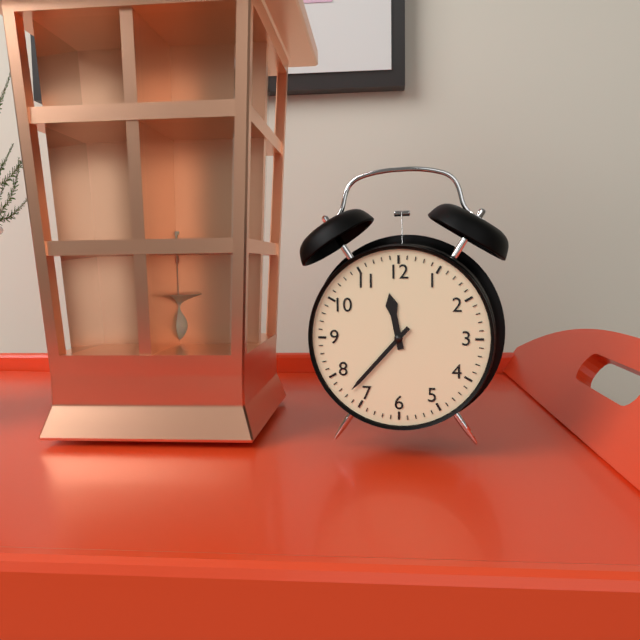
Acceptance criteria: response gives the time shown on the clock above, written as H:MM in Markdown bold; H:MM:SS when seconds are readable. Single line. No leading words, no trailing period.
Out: **11:37**
